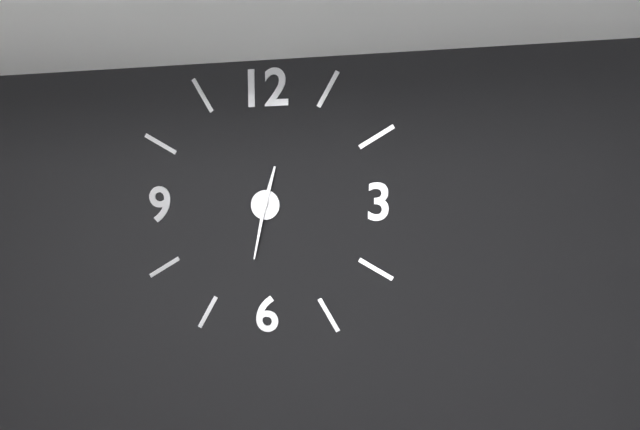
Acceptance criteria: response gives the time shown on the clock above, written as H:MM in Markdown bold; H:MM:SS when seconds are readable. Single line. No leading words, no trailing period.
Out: **12:32**
